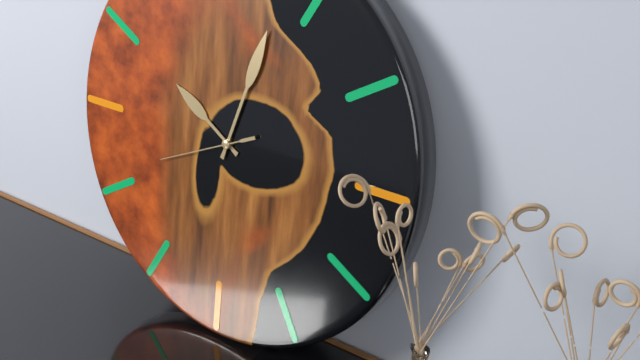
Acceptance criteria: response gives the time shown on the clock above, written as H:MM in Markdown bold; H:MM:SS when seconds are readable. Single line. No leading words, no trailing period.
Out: **10:03:41**
